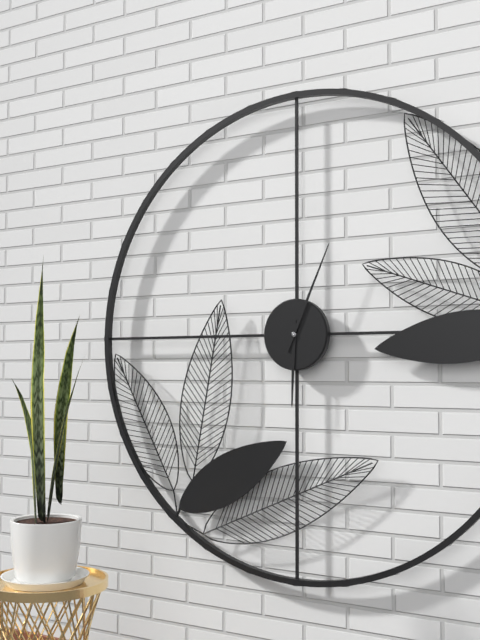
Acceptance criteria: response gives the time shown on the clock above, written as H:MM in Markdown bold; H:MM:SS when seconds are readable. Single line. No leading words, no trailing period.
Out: **6:04**
